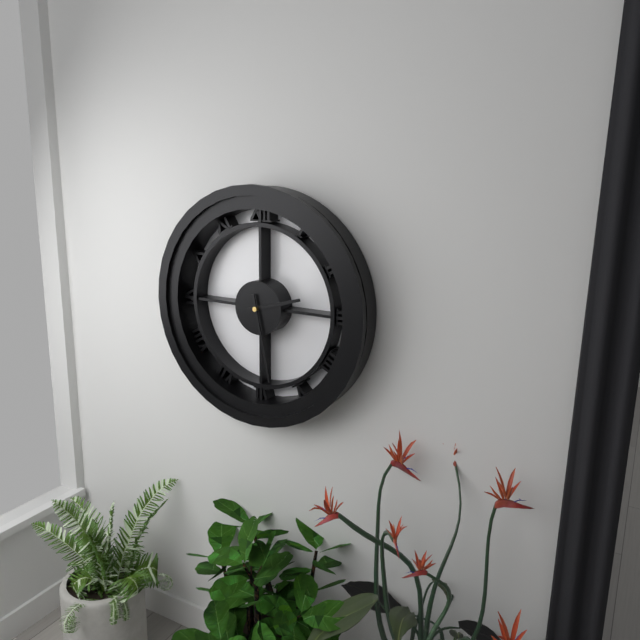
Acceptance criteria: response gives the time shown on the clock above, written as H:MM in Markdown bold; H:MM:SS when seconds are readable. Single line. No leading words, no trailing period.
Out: **2:28**
